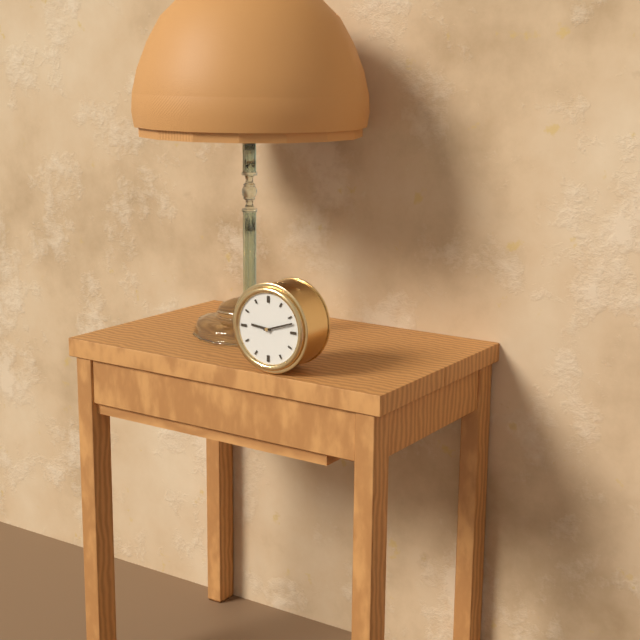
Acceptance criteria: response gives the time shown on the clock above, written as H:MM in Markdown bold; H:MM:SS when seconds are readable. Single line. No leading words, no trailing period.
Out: **9:12**
